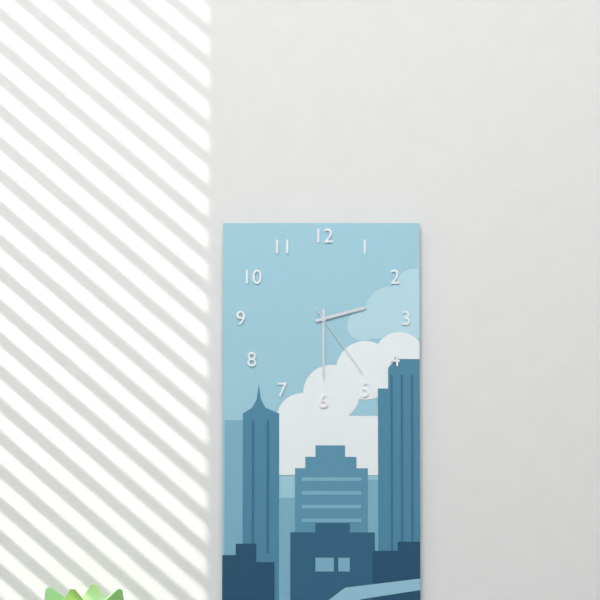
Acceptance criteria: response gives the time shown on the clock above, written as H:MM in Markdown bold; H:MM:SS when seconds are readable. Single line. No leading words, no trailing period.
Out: **2:30:24**
